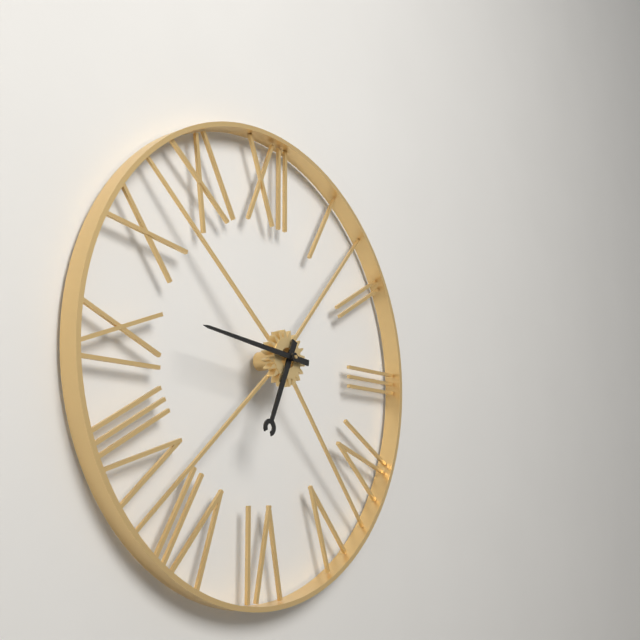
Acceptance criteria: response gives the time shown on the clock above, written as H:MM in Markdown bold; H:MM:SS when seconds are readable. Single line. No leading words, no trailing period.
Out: **6:46**
